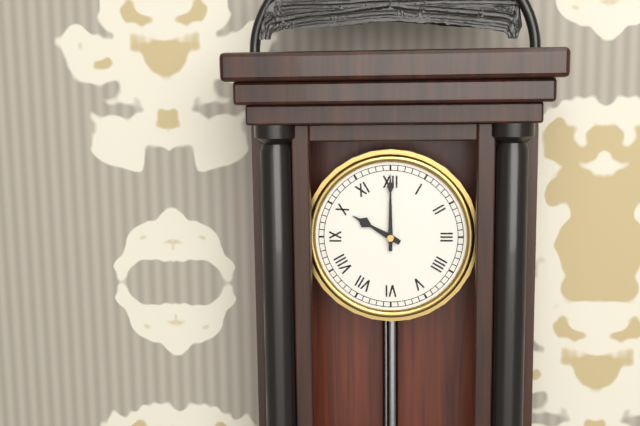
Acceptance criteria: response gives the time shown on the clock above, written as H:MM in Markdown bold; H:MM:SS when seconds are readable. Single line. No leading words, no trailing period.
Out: **10:00**
